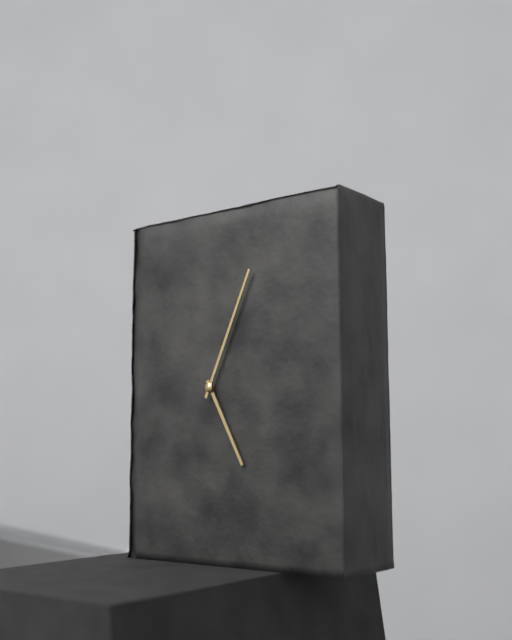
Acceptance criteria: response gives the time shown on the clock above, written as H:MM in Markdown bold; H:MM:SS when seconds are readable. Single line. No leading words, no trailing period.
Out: **5:04**
